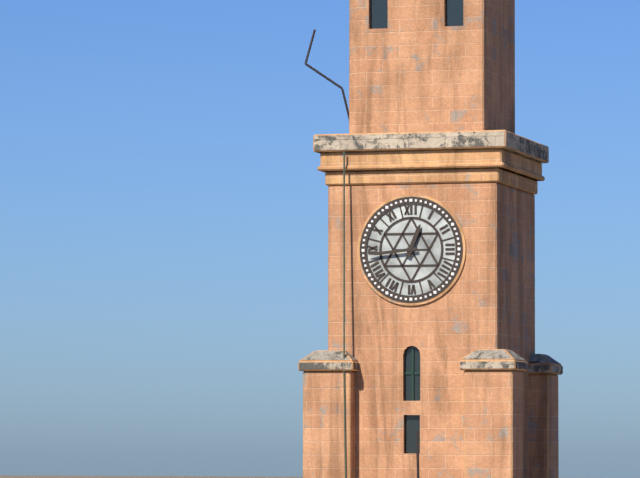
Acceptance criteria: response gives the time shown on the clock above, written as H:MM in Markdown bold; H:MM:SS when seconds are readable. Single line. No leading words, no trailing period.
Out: **12:44**
